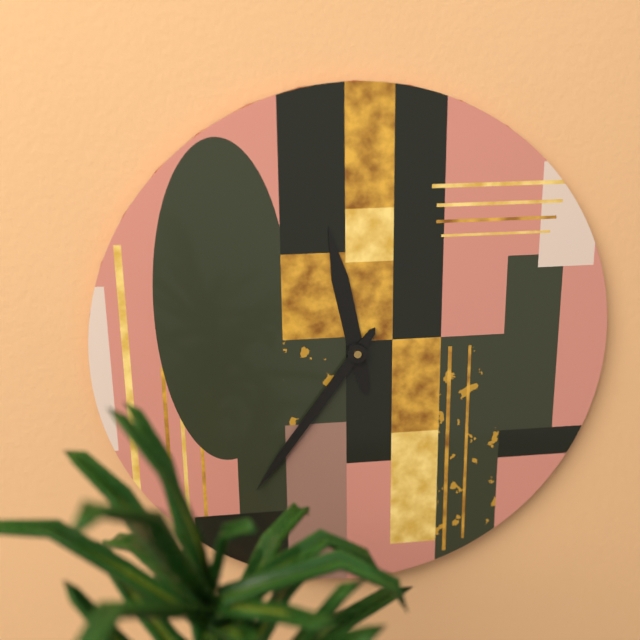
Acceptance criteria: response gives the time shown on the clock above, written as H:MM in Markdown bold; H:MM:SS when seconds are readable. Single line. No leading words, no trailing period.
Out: **11:36**
